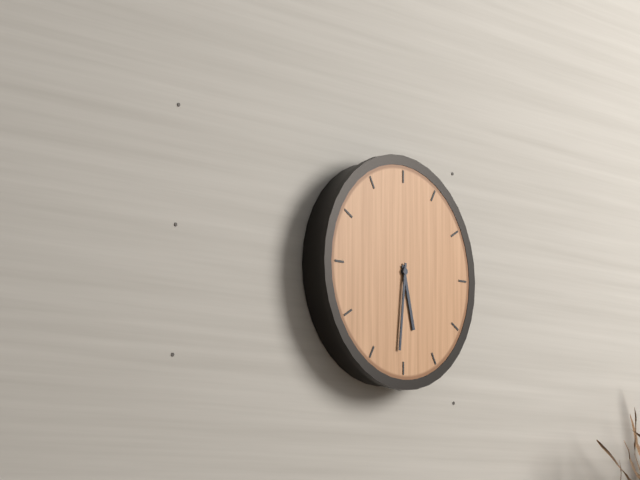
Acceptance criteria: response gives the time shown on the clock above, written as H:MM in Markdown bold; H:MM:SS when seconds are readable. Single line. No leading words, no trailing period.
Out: **5:31**
